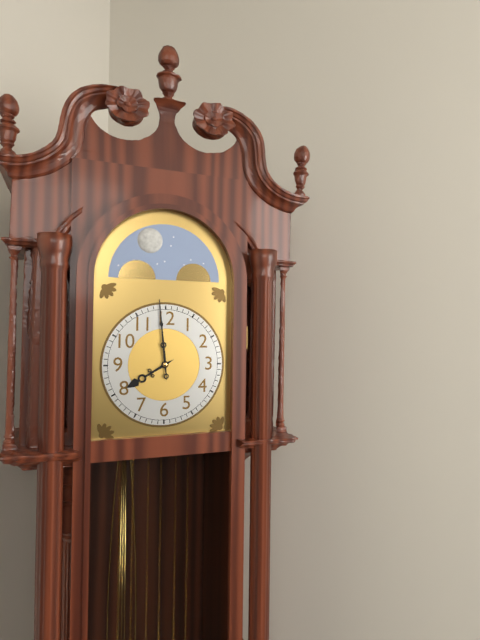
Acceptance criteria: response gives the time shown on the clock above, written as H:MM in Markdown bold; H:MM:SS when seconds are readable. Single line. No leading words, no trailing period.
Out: **7:59**
